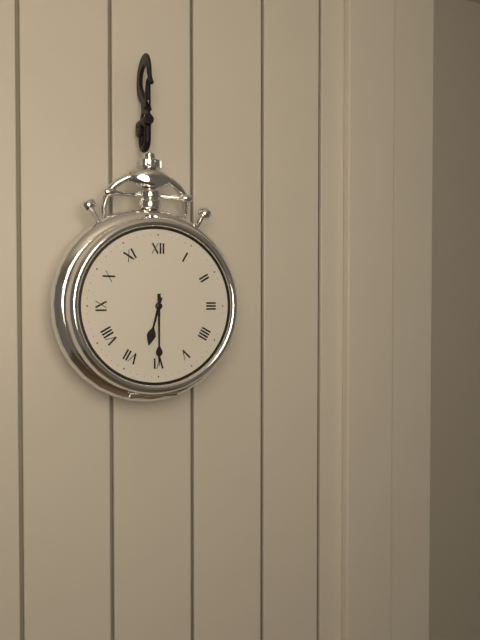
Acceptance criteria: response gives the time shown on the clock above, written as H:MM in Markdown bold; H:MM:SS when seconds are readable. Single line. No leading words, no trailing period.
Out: **6:30**
